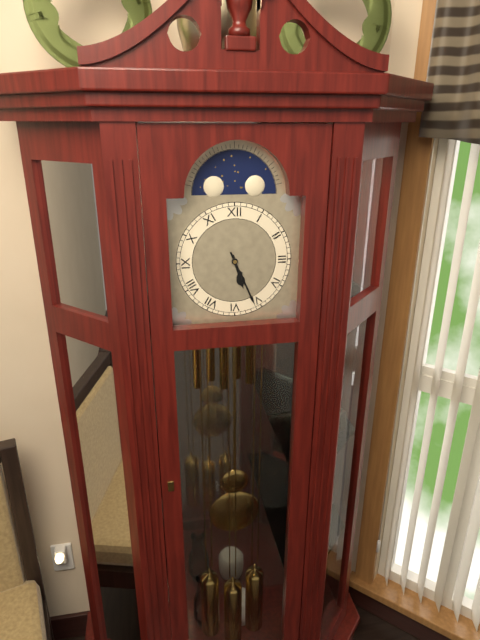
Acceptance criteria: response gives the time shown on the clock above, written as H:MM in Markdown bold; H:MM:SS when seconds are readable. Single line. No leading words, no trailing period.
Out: **5:26**
